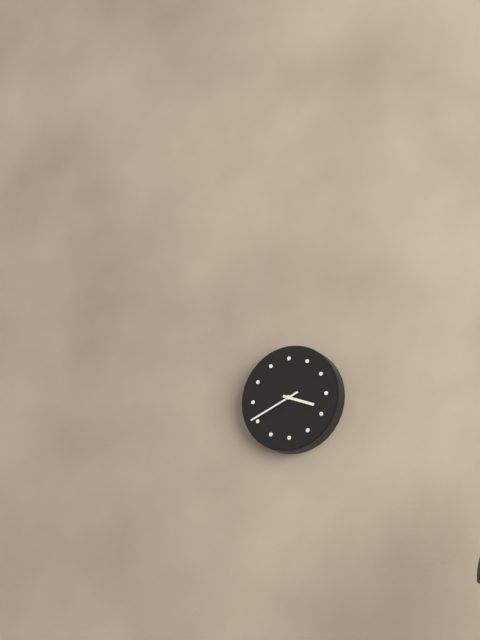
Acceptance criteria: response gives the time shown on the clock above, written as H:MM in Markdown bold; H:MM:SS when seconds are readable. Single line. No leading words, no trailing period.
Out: **3:41**
